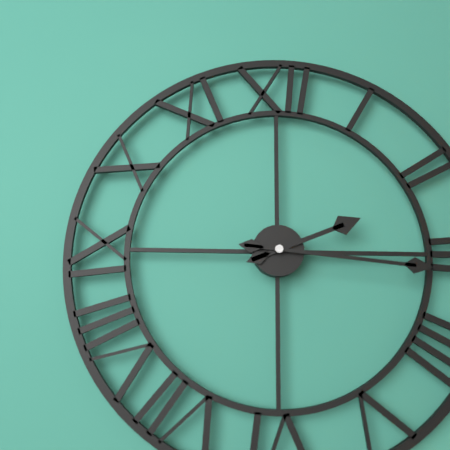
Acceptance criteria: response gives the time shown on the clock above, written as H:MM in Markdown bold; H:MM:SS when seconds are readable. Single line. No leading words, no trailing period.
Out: **2:16**
